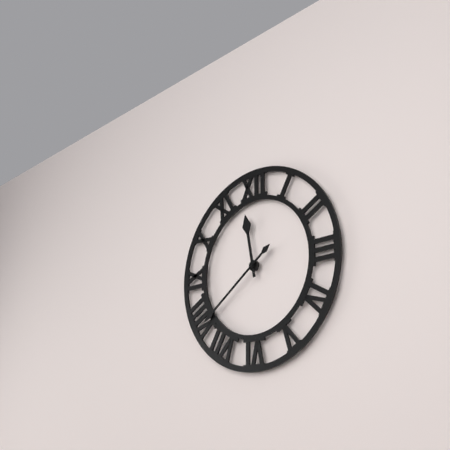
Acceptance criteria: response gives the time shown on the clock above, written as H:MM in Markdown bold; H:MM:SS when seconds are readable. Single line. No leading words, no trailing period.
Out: **11:39**
